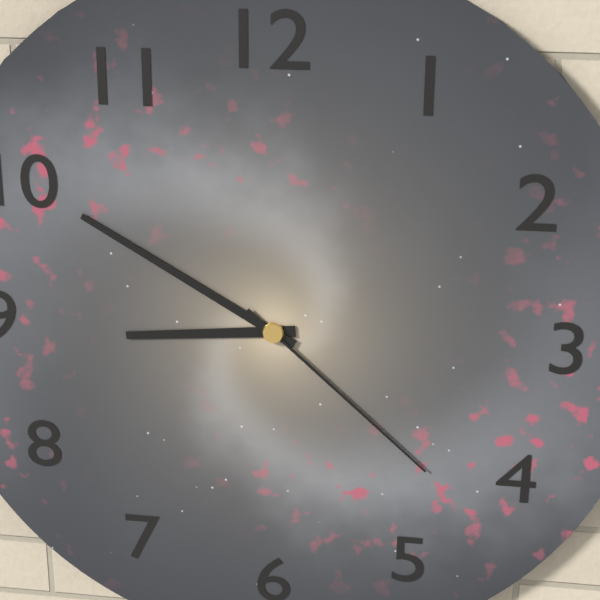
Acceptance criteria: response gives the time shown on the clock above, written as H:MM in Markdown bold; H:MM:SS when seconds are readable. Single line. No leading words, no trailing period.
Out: **8:50:22**
